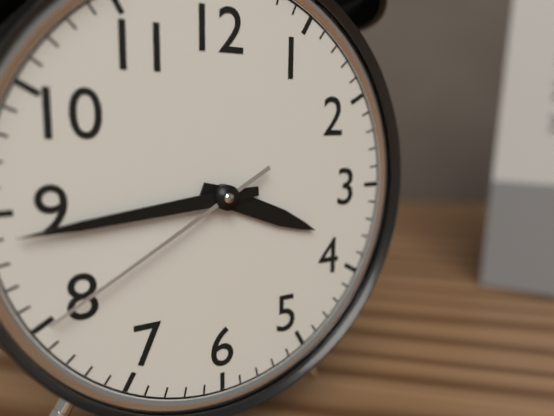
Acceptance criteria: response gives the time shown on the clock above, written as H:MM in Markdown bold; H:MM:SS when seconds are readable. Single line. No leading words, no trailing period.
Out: **3:44:40**
